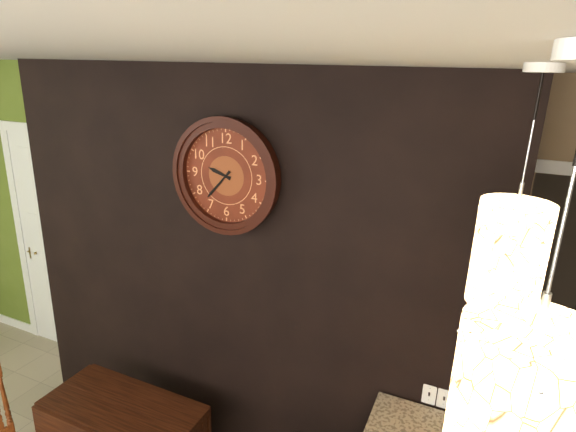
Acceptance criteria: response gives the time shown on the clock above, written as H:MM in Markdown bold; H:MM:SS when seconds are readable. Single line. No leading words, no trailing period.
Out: **9:37**
